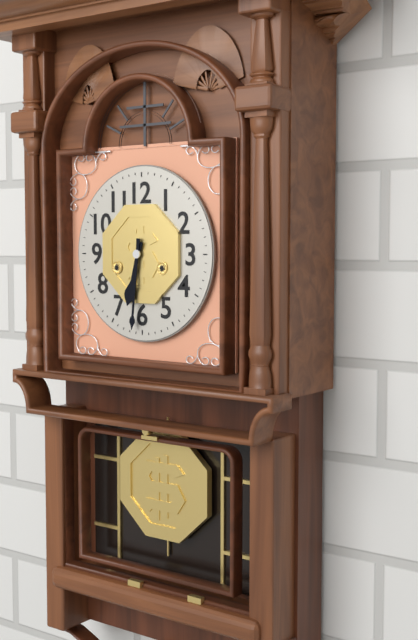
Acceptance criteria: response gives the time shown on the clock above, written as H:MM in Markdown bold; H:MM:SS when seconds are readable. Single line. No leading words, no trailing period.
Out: **6:31**
